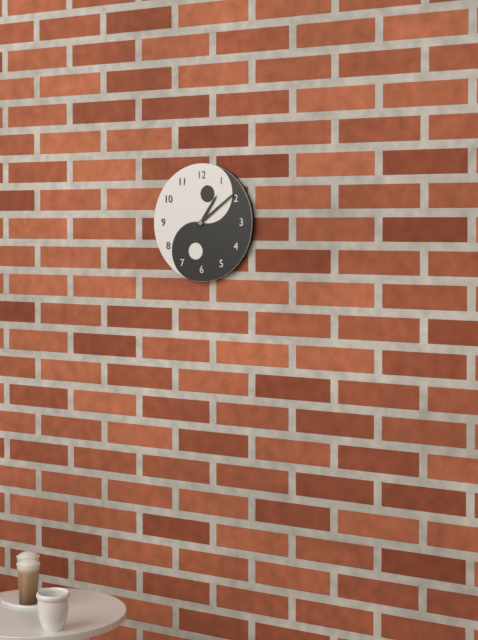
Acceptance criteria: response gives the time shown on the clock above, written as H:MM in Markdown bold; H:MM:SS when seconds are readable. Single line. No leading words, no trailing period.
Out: **1:09**
